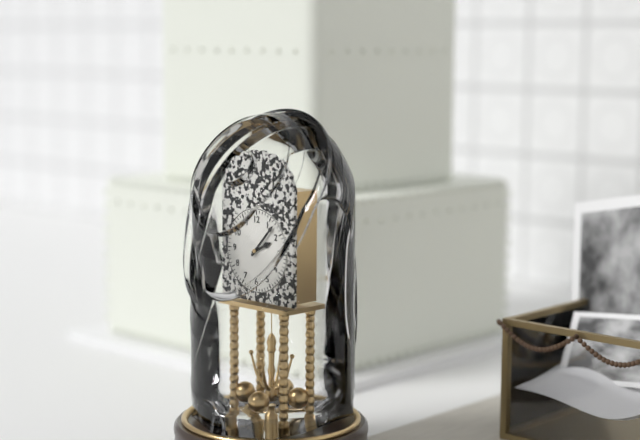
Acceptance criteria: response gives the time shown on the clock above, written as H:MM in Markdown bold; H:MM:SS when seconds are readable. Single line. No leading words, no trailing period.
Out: **2:07**
